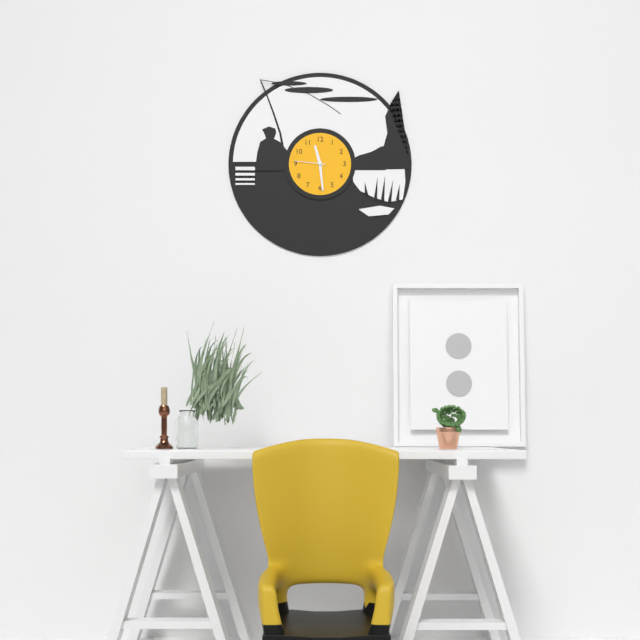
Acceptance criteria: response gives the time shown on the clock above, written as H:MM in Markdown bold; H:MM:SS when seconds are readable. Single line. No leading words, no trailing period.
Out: **11:29**
